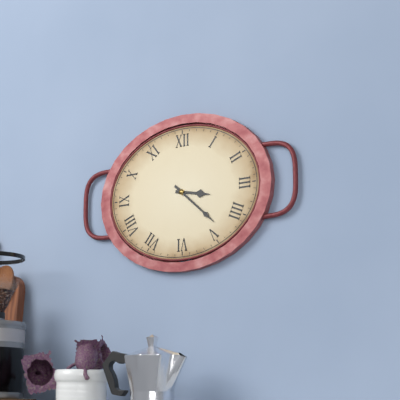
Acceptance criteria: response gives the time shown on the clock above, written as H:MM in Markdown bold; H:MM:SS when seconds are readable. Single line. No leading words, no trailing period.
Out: **3:22**
